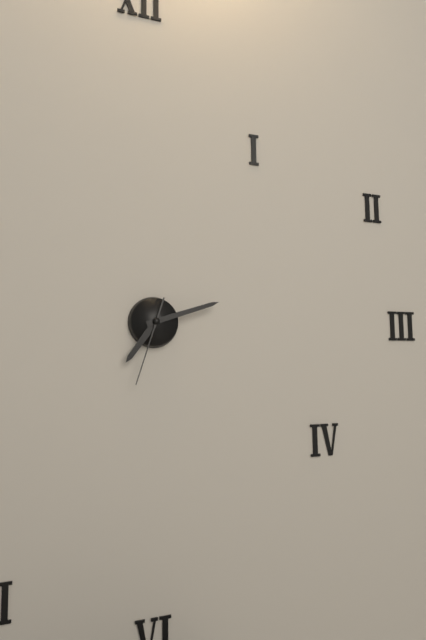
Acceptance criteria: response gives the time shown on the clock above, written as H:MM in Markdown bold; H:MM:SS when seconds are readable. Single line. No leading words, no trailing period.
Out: **7:12:33**
